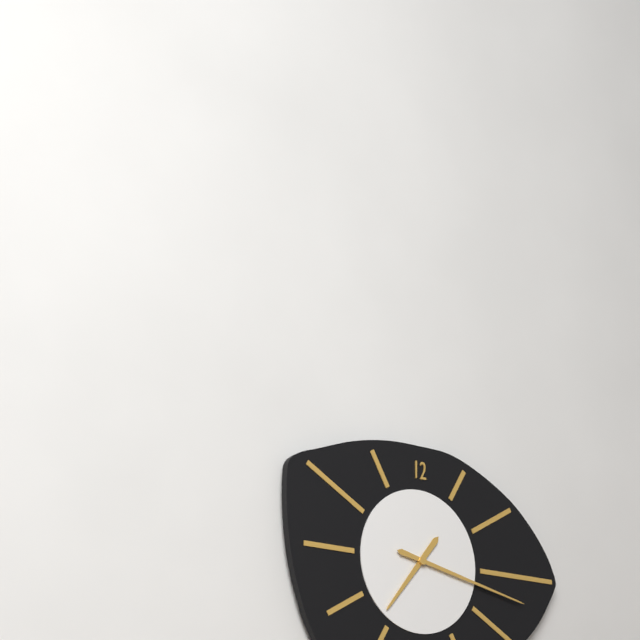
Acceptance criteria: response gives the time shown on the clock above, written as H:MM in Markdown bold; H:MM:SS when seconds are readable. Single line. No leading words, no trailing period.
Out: **7:17**
